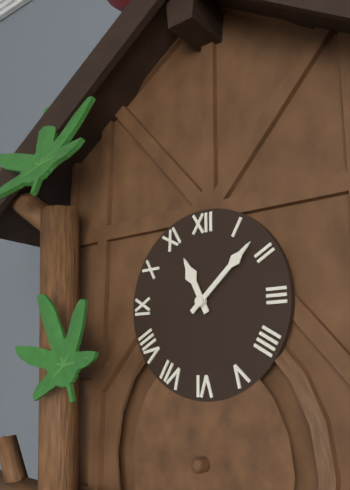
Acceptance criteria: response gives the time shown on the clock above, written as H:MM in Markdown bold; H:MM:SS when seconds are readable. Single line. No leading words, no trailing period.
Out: **11:08**
